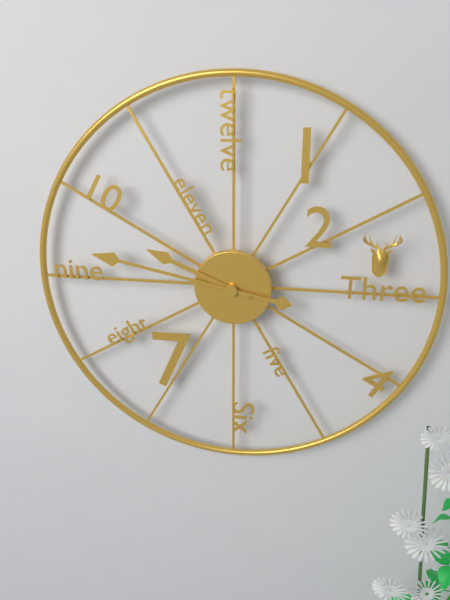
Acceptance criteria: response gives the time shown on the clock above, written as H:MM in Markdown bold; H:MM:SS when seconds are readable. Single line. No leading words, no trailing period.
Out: **9:47**
